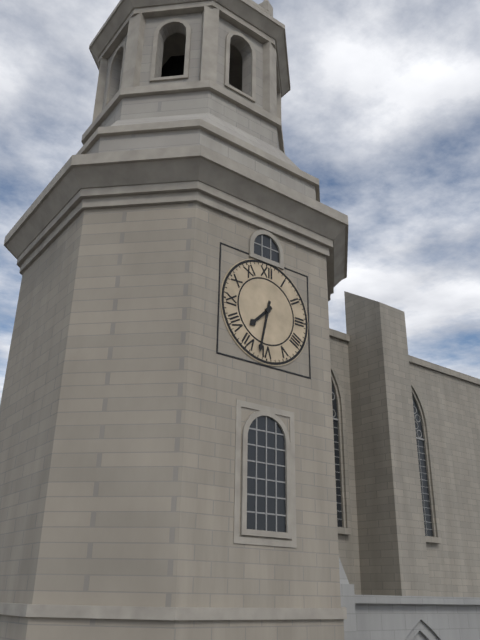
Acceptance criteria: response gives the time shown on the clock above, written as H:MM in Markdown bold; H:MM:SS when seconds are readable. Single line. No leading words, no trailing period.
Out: **7:32**
